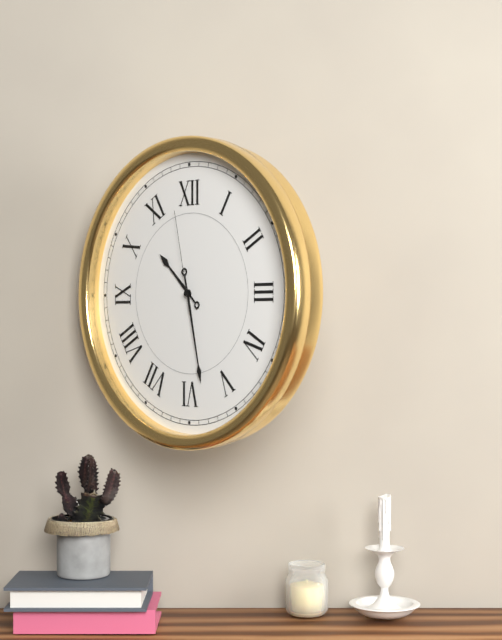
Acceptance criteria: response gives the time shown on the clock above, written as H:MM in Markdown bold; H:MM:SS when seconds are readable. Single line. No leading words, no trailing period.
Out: **10:28:58**
